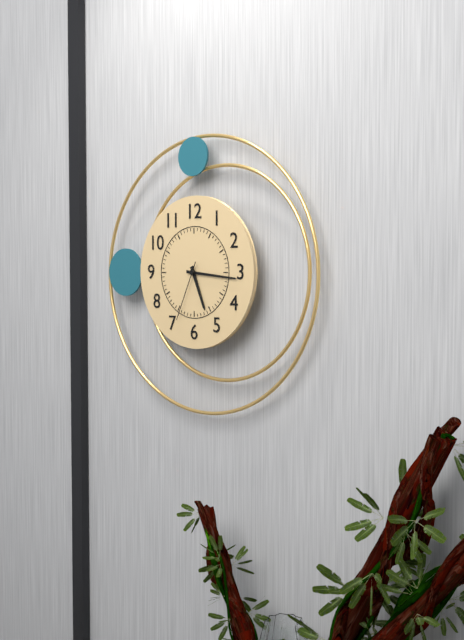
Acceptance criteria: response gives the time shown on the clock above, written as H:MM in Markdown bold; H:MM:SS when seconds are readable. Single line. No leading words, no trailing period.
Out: **5:16:34**
